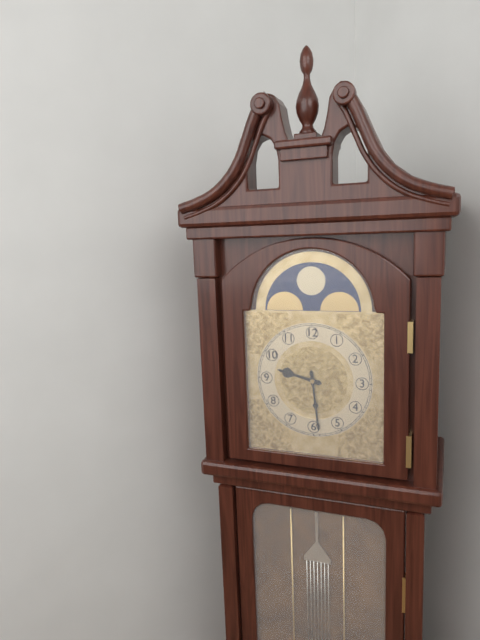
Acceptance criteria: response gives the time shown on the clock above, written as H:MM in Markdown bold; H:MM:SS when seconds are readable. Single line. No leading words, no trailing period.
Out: **9:29**
